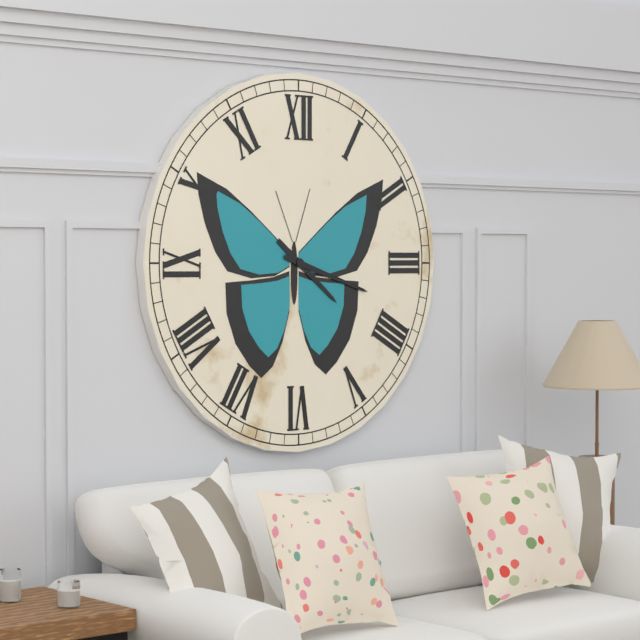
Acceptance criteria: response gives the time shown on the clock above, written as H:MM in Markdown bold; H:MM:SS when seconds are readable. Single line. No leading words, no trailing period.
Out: **4:18**
